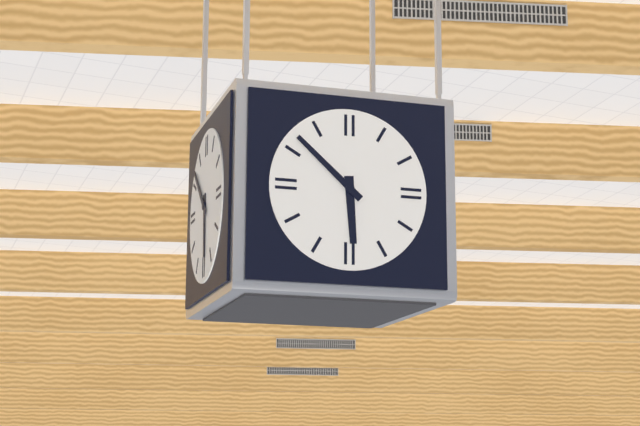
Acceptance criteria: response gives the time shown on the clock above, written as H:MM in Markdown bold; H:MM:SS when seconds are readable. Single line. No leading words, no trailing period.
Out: **5:52**
